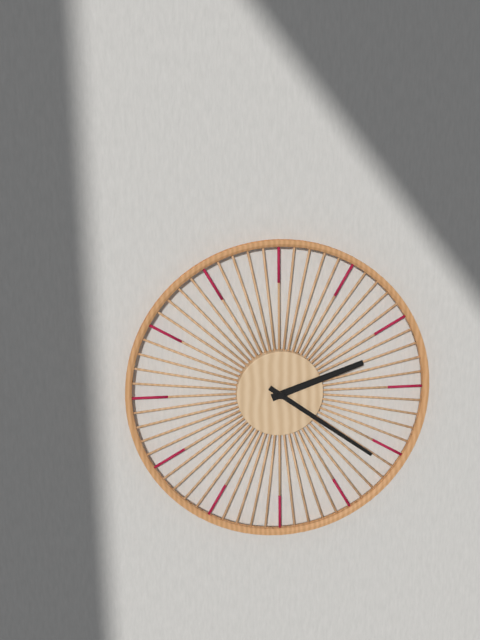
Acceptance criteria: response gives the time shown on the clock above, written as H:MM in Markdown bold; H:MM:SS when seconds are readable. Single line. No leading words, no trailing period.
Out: **2:21**
